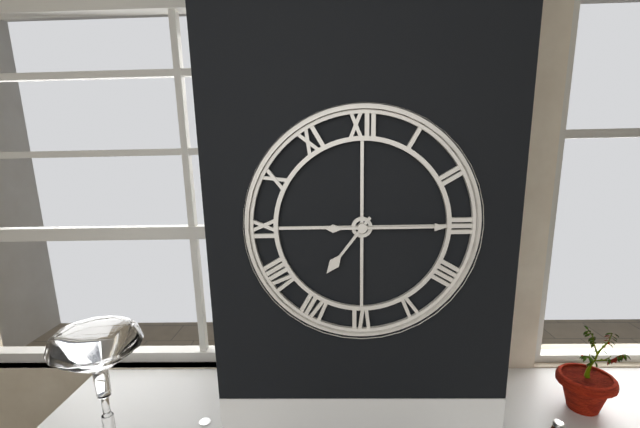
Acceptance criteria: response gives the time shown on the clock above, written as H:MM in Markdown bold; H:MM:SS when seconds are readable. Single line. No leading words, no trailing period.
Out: **7:15**
